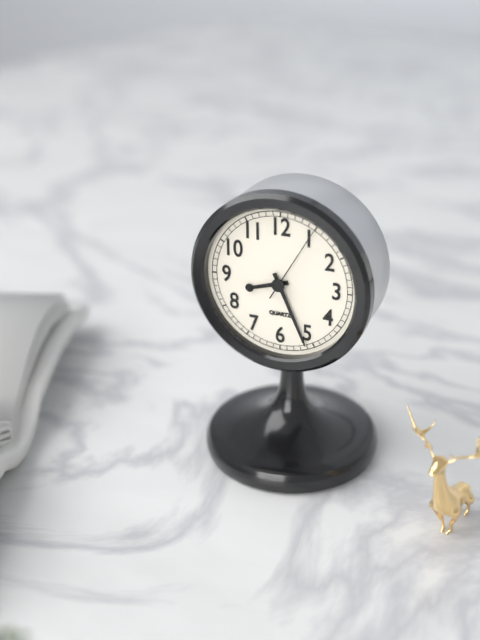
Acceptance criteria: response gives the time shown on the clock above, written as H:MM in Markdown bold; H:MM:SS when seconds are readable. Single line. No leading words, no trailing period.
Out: **8:26:05**
